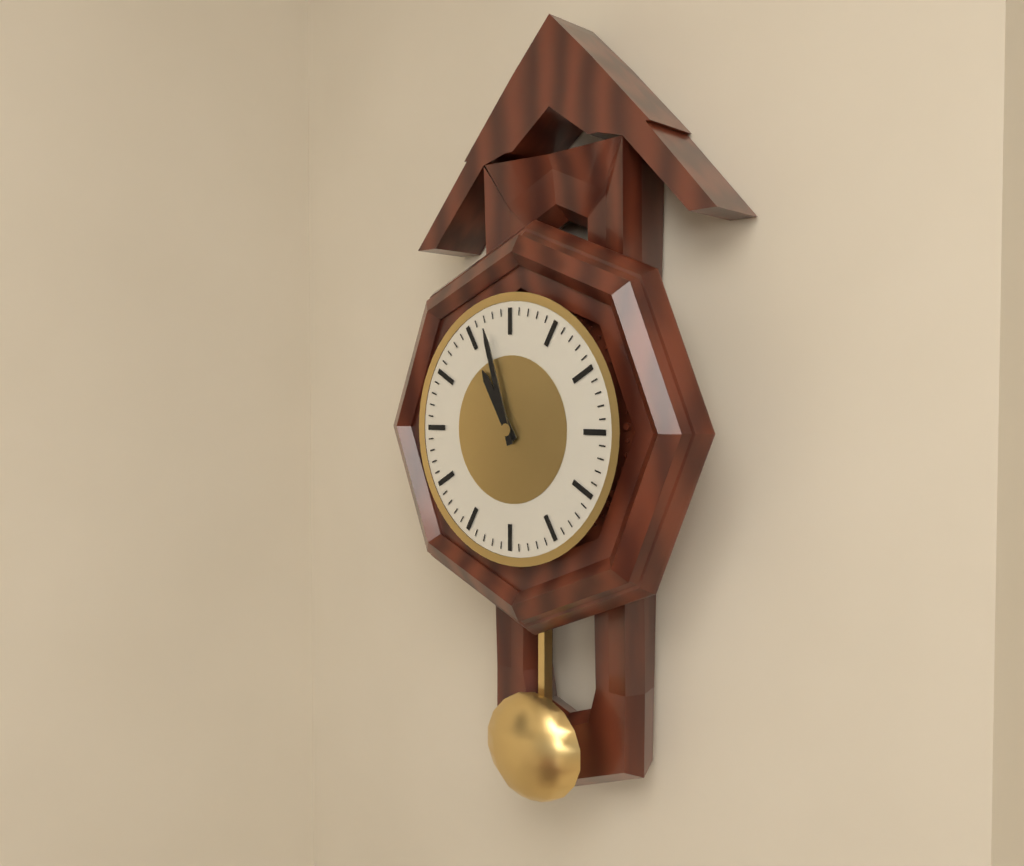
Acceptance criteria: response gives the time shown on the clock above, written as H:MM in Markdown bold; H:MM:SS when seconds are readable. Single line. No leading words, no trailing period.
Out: **10:57**
